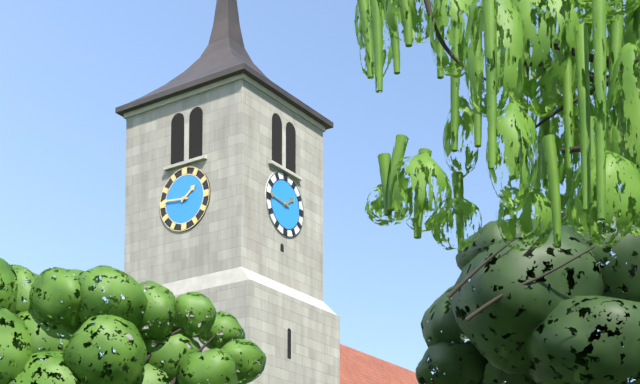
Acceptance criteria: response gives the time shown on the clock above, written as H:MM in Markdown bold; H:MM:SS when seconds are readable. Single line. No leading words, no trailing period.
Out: **1:46**
